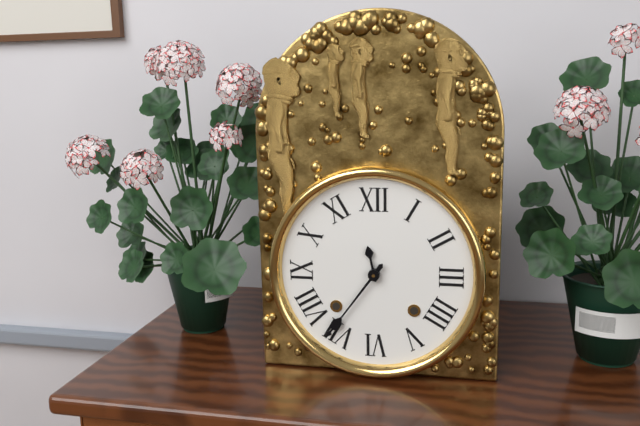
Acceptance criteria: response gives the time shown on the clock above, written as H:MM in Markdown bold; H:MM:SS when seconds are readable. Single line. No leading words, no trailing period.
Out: **11:36**
